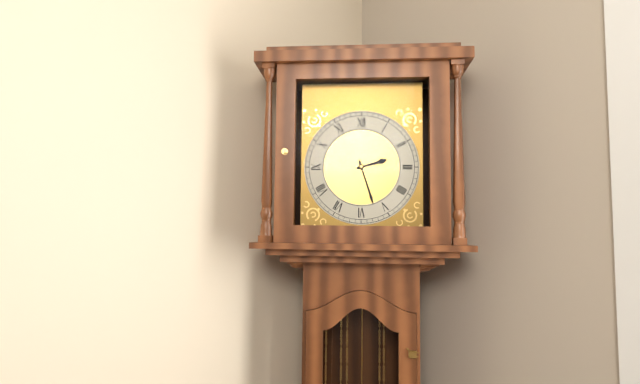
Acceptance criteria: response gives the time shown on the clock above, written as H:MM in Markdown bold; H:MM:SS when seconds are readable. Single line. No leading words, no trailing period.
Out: **2:27**
